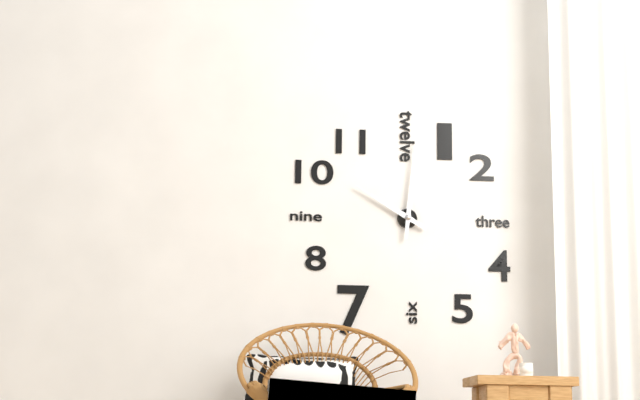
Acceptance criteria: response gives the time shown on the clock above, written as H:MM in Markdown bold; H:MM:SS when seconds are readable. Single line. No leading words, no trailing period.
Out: **10:01**
